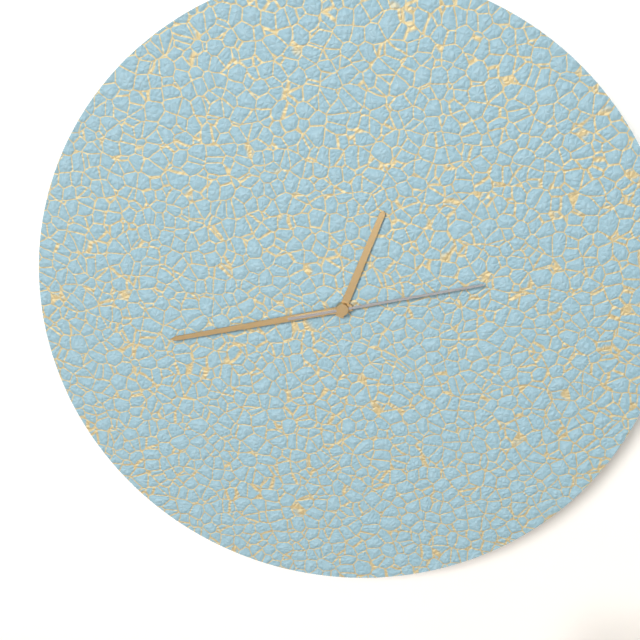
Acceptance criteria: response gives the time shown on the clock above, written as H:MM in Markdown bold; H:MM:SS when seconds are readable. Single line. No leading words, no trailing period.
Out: **12:43:13**
